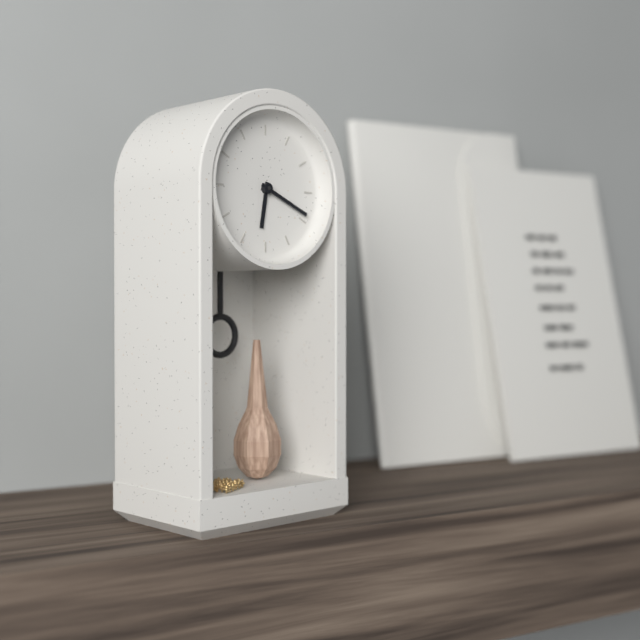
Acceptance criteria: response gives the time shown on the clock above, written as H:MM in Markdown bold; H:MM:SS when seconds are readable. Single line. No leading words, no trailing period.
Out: **6:19**
